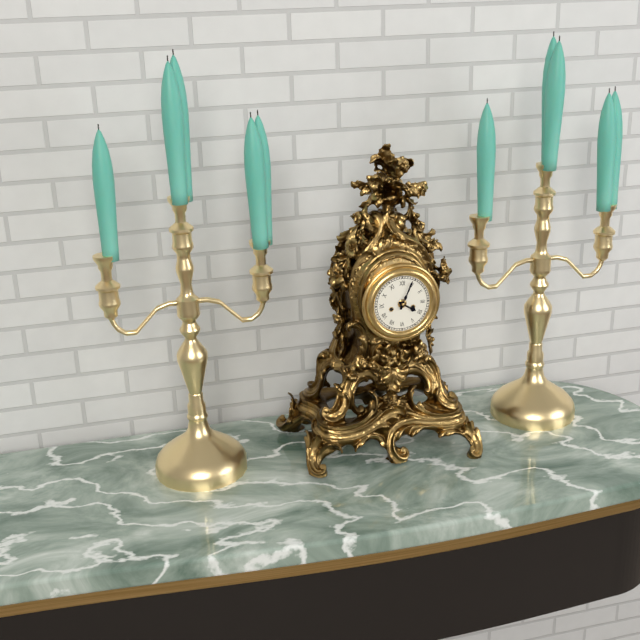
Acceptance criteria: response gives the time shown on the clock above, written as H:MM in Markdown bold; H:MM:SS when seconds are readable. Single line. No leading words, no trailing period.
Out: **4:04**
